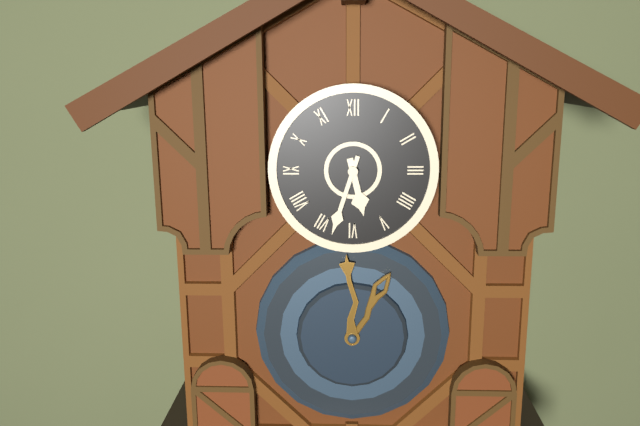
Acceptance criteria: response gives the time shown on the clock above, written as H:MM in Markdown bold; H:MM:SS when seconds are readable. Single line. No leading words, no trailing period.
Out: **5:33**
